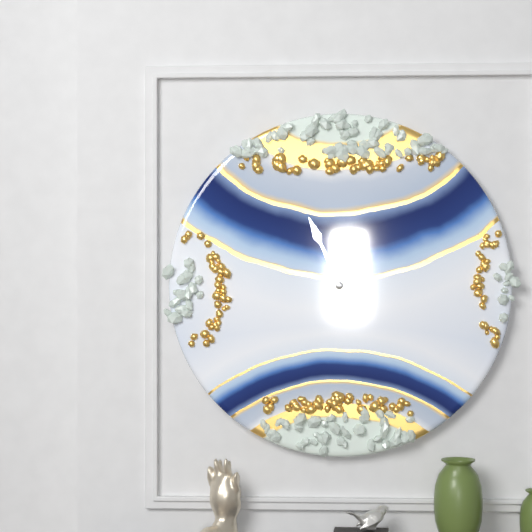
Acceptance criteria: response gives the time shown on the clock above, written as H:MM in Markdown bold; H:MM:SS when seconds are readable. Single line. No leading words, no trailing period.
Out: **11:56**
